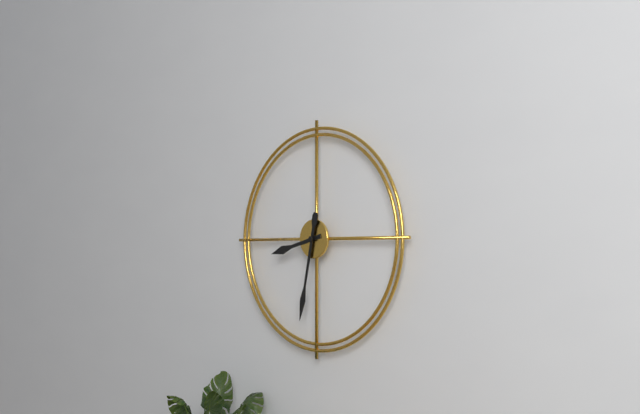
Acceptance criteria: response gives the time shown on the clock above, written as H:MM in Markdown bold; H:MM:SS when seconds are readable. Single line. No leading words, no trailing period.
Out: **8:32**
